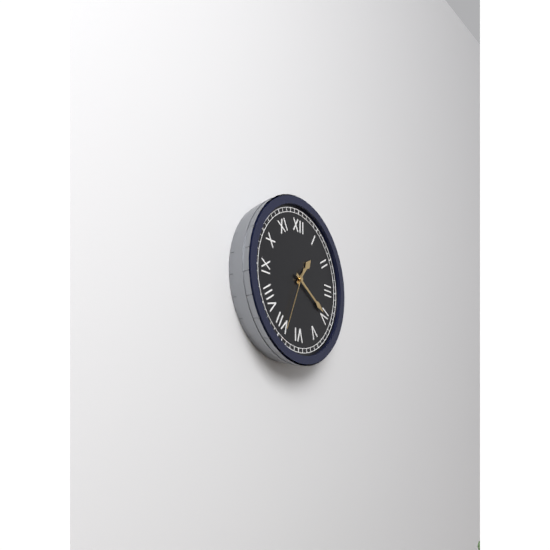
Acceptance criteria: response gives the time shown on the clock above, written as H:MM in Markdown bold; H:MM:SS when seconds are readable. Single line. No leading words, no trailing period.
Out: **1:20:34**
